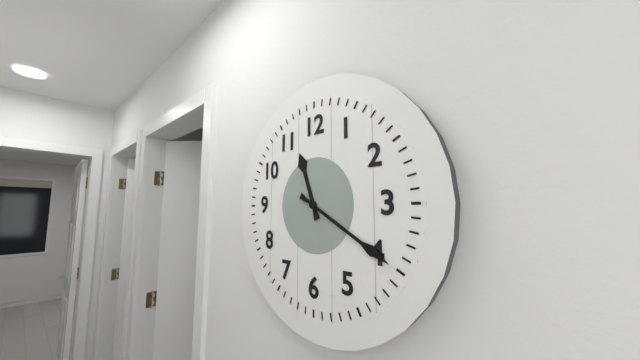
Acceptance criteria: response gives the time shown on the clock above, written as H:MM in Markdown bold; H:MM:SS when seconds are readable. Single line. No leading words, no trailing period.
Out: **11:20**
